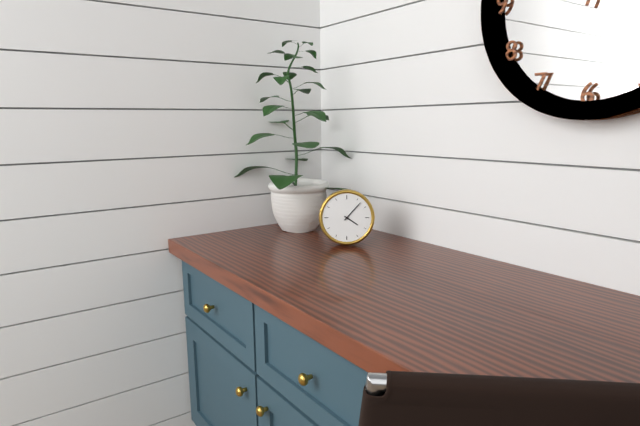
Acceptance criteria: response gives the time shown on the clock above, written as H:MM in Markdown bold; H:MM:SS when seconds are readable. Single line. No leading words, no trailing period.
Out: **4:07**
